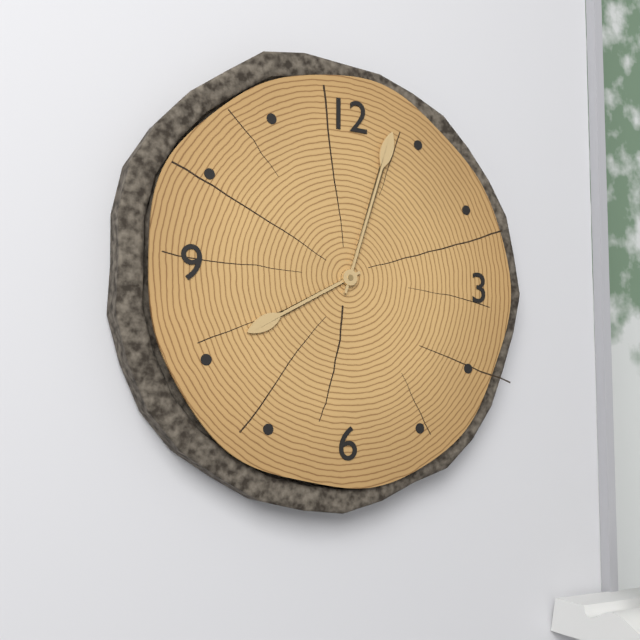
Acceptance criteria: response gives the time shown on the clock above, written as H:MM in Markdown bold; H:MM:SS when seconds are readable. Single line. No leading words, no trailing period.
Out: **8:03**
